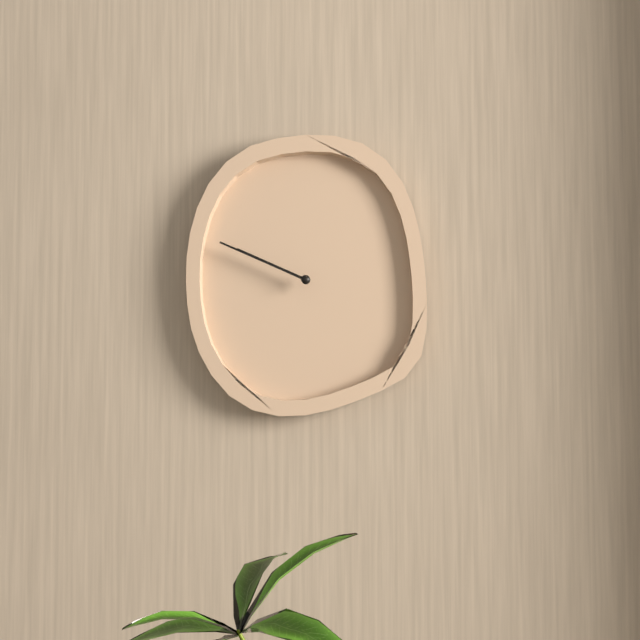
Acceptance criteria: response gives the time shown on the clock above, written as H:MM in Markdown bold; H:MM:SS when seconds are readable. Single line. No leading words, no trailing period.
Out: **9:49**
